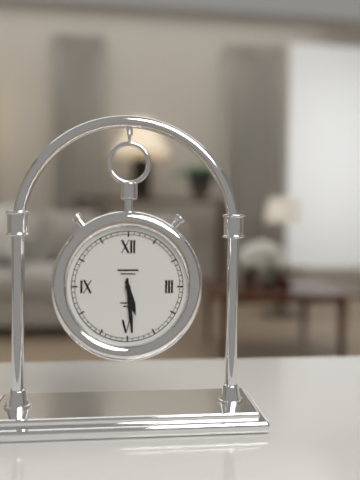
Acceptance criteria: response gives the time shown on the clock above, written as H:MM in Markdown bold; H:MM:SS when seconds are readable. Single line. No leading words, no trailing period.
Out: **5:29**
